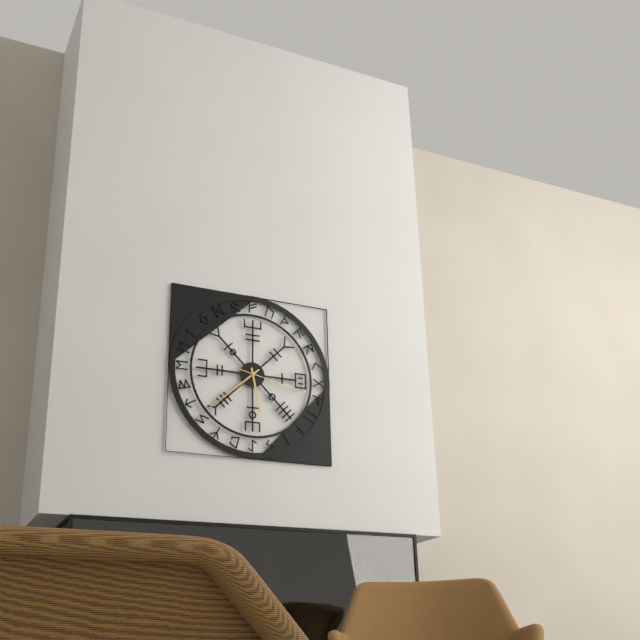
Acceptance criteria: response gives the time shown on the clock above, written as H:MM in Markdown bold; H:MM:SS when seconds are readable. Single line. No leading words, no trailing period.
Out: **5:38:17**
